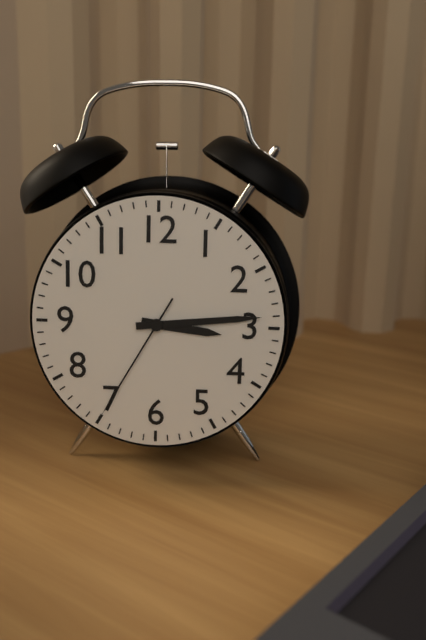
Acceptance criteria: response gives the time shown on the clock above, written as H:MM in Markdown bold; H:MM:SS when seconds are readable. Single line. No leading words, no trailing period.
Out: **3:14:35**
